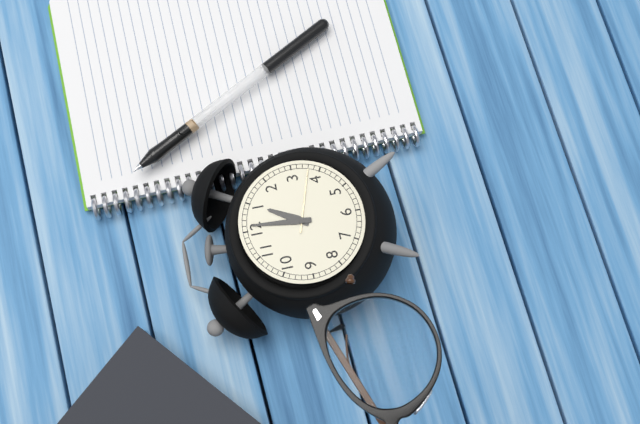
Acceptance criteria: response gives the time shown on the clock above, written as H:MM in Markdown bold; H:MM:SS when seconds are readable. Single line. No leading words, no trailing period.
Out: **1:01:18**
